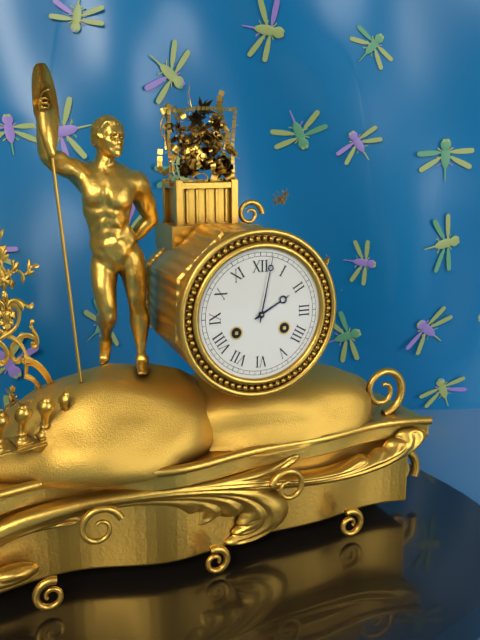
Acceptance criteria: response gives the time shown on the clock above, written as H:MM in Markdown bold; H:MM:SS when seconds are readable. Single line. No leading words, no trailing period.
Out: **2:02**
